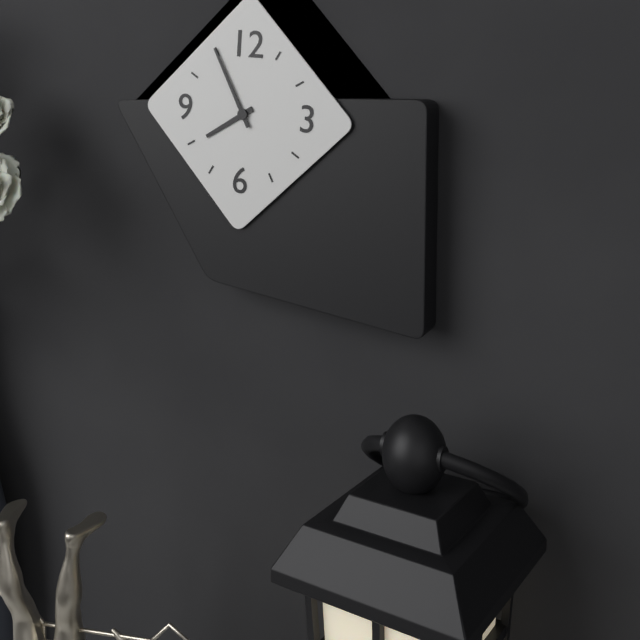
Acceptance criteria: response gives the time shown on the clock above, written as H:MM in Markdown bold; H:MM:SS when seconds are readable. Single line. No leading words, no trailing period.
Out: **7:55**
